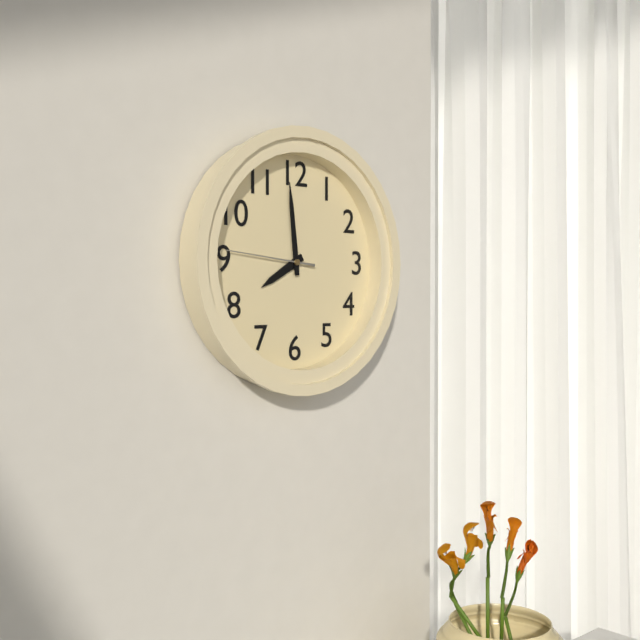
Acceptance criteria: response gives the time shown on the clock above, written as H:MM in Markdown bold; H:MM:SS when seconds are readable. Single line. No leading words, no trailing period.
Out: **7:59:46**
